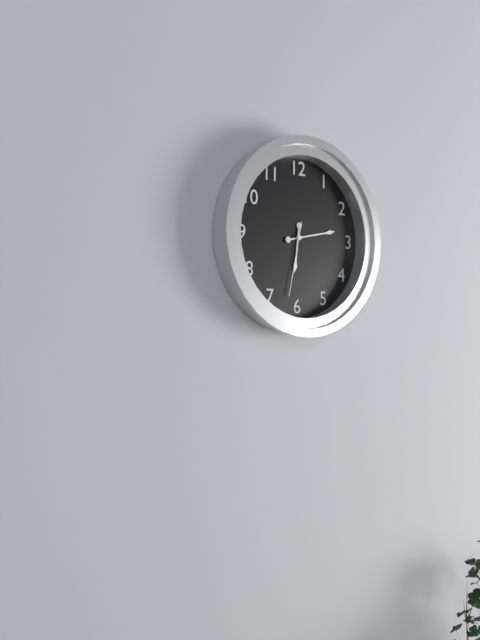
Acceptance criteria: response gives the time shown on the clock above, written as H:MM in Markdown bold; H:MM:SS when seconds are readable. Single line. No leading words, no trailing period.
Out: **6:13:32**
